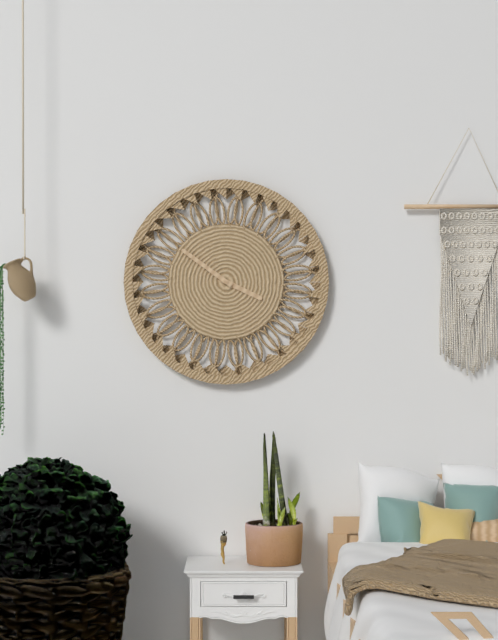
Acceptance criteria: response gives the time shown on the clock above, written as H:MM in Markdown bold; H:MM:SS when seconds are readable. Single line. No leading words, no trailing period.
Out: **3:51**
